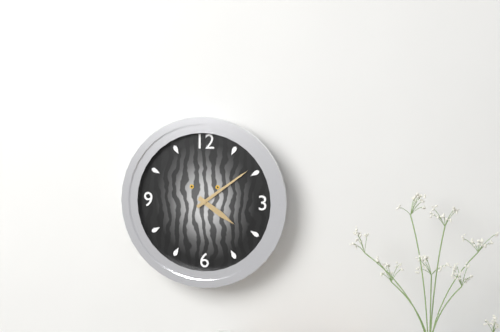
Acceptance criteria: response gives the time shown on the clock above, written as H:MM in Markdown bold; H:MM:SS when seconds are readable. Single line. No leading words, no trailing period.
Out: **4:09**
